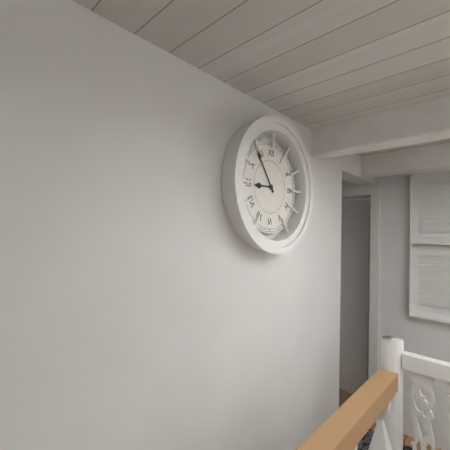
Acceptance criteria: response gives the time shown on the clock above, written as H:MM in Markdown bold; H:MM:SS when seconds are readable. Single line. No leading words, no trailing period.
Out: **8:54**
